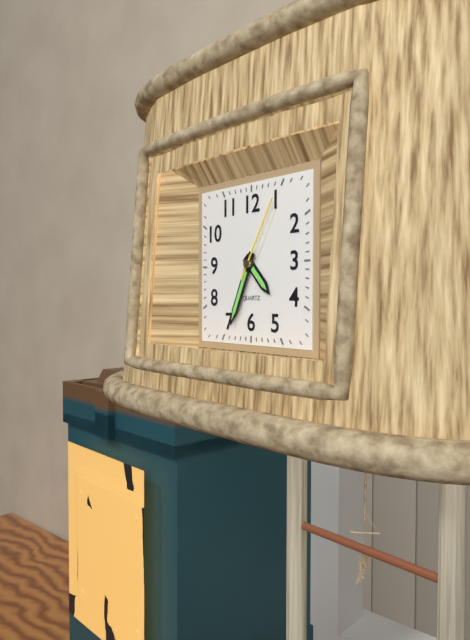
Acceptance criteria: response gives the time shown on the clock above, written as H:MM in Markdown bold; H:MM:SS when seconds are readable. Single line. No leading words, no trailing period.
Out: **4:34:05**
